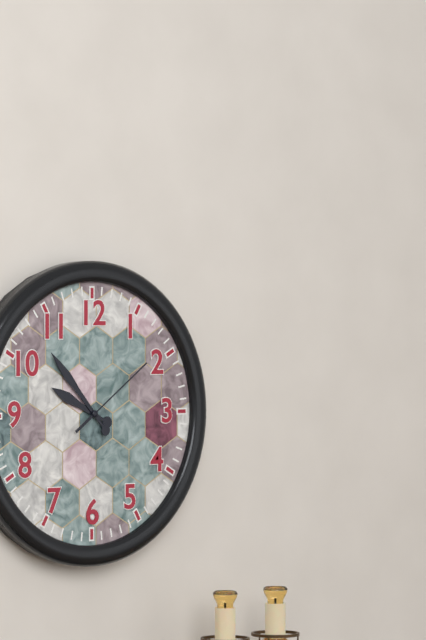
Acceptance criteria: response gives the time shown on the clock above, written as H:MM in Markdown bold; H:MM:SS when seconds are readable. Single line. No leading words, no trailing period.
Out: **9:53:09**
